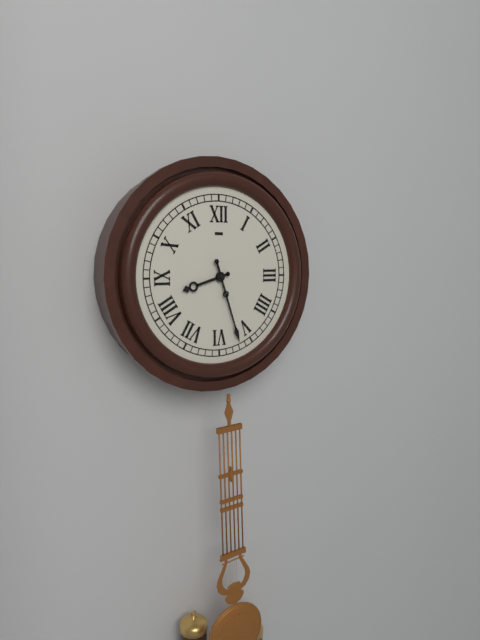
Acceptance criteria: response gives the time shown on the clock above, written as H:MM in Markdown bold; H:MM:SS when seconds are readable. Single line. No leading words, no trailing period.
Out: **8:27**
